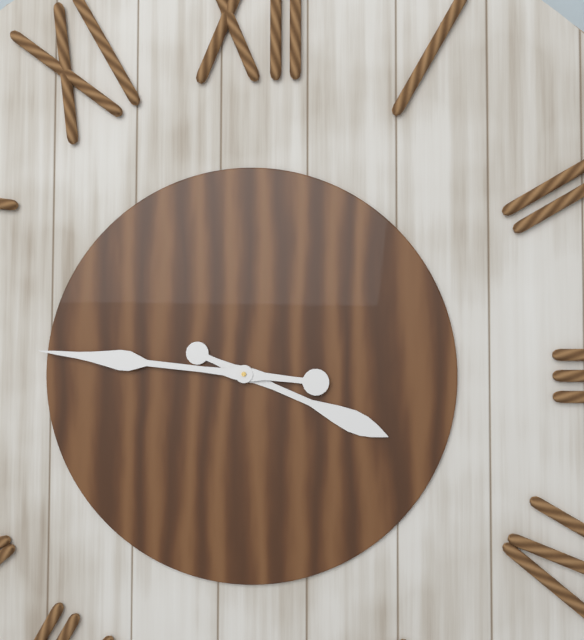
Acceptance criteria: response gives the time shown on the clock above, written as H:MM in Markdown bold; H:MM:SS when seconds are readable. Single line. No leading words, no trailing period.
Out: **3:46**
